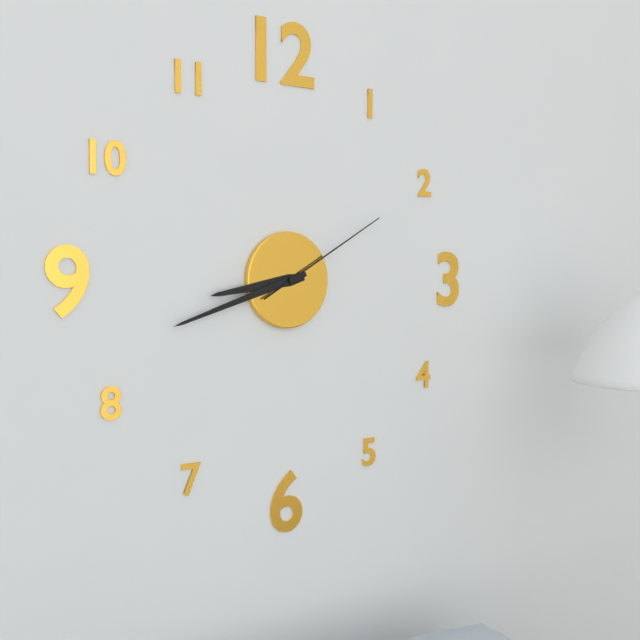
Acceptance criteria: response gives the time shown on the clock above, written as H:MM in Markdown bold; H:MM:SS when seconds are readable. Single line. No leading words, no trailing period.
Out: **8:42:10**
